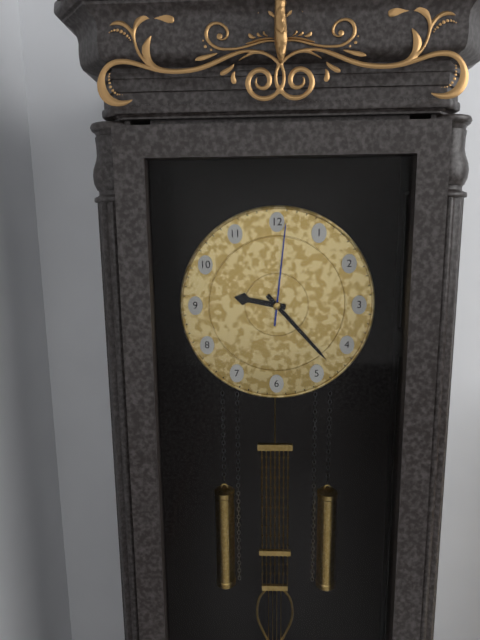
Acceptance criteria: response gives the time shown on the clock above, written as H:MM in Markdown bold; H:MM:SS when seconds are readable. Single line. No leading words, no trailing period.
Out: **9:23:01**
